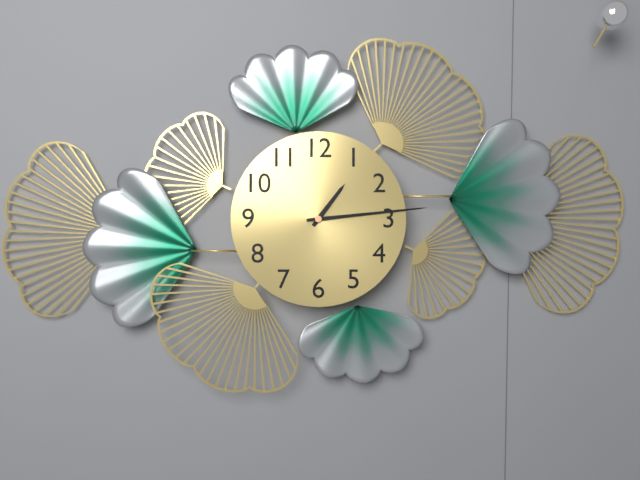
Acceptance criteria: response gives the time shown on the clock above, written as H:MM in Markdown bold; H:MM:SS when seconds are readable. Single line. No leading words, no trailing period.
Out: **1:14**
